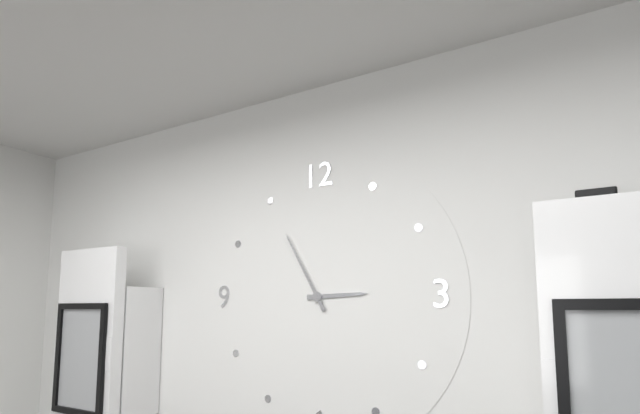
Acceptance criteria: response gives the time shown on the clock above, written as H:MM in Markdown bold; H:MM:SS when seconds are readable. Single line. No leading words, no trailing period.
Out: **2:55**
